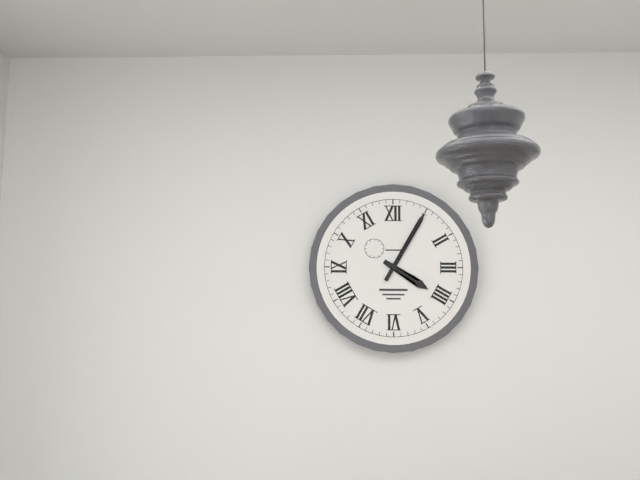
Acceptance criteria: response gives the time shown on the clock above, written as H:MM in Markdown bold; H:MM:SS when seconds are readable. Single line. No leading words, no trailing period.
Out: **4:05**
